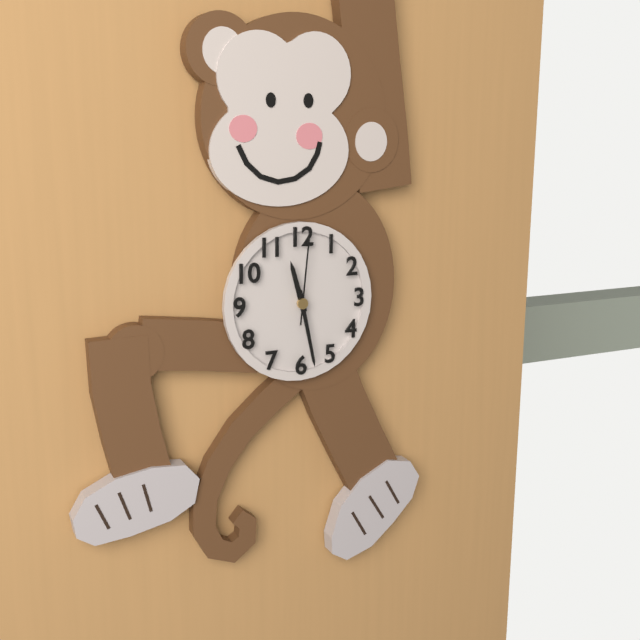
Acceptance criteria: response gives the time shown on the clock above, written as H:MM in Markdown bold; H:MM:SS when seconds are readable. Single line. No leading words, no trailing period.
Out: **11:28:01**
